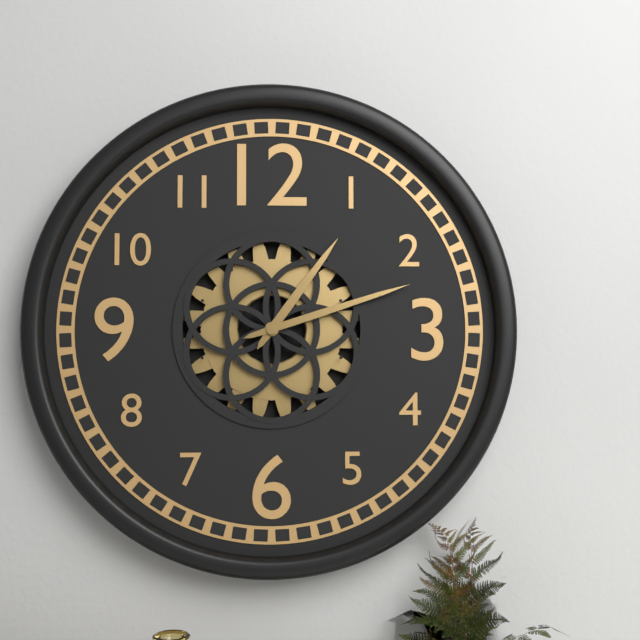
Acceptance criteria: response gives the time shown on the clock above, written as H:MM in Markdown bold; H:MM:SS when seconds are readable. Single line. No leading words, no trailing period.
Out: **1:12**
